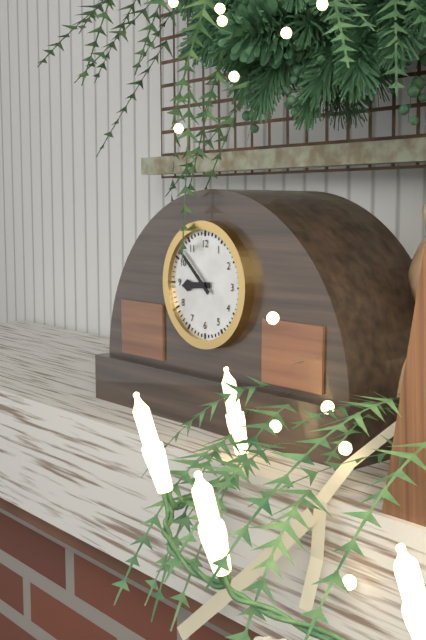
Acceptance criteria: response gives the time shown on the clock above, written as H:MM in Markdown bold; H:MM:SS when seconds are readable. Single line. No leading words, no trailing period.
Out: **8:52**
